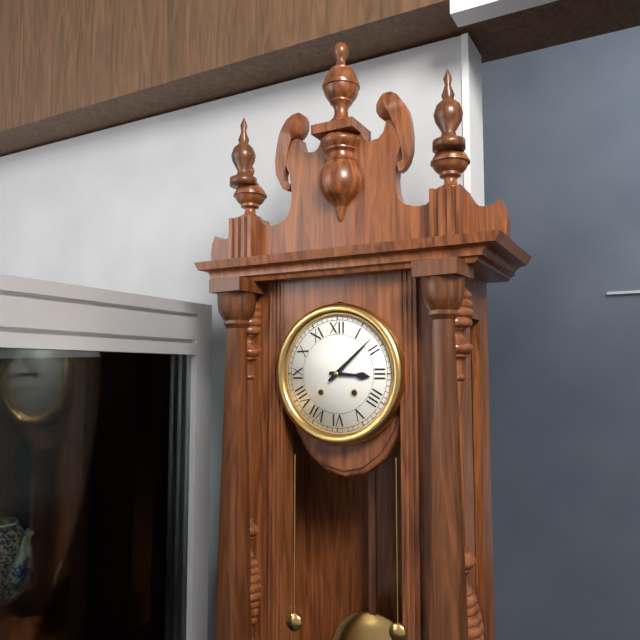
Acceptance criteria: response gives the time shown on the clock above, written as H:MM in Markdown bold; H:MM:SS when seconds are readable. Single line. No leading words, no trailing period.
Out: **3:08**
